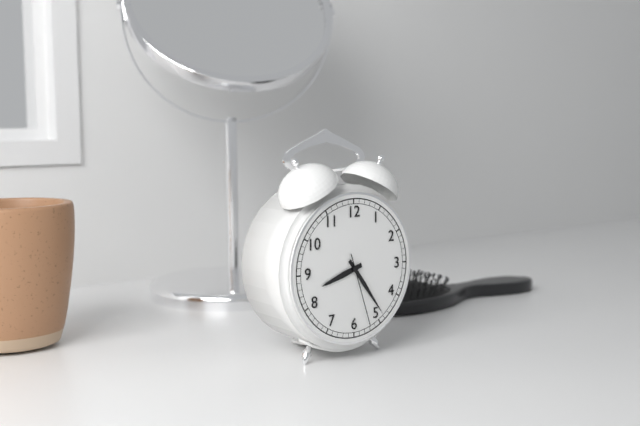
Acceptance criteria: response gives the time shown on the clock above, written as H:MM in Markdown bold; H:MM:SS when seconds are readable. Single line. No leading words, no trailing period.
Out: **8:24:27**
